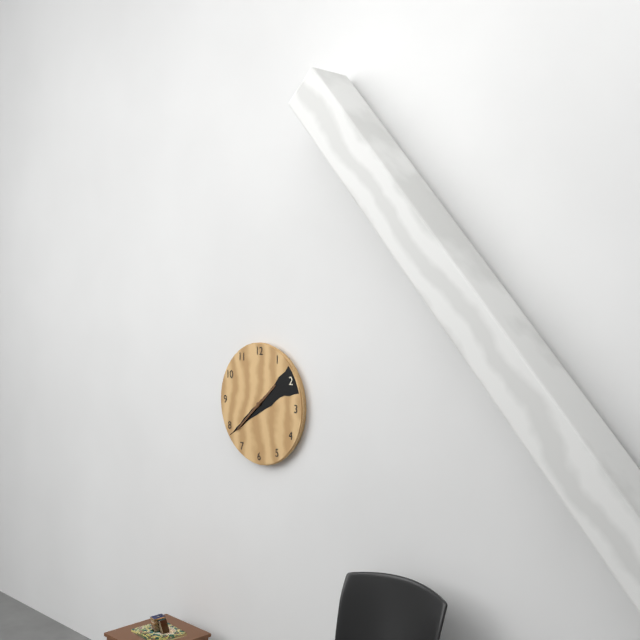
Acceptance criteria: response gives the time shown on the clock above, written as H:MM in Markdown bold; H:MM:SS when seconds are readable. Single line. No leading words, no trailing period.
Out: **1:38**
